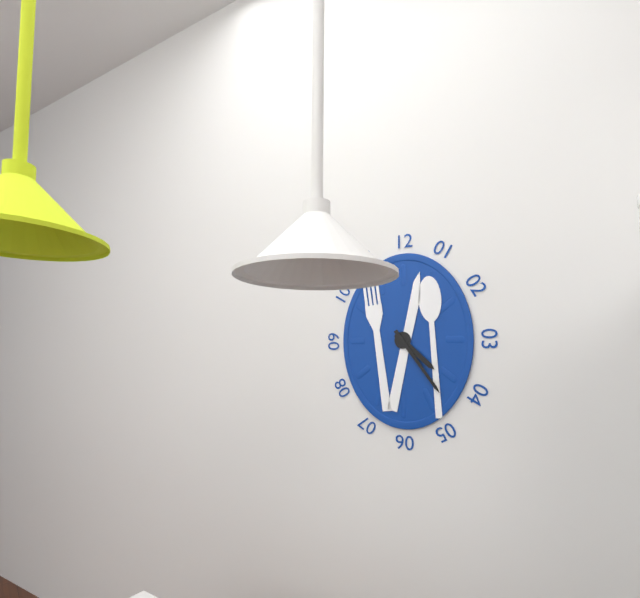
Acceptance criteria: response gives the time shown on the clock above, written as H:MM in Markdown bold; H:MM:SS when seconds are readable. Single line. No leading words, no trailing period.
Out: **4:24**
